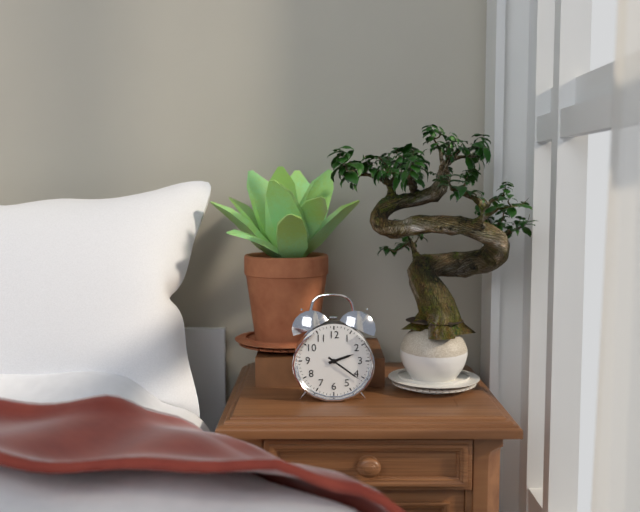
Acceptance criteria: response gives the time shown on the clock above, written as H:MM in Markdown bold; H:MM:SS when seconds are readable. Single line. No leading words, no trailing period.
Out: **2:21**
